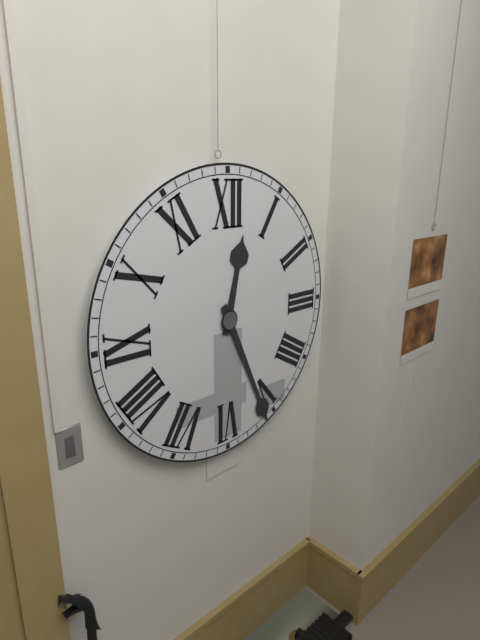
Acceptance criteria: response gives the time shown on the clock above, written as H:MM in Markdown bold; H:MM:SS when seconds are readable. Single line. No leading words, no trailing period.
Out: **12:26**
